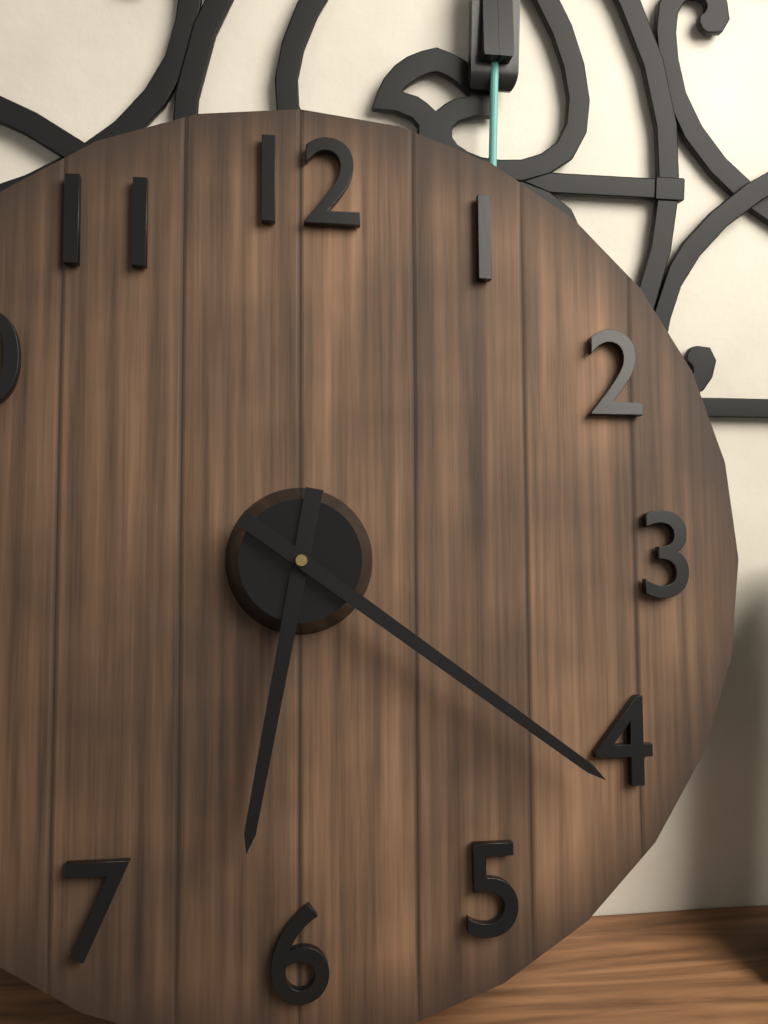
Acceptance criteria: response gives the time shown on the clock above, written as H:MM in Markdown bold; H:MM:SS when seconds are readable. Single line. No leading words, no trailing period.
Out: **6:21**
